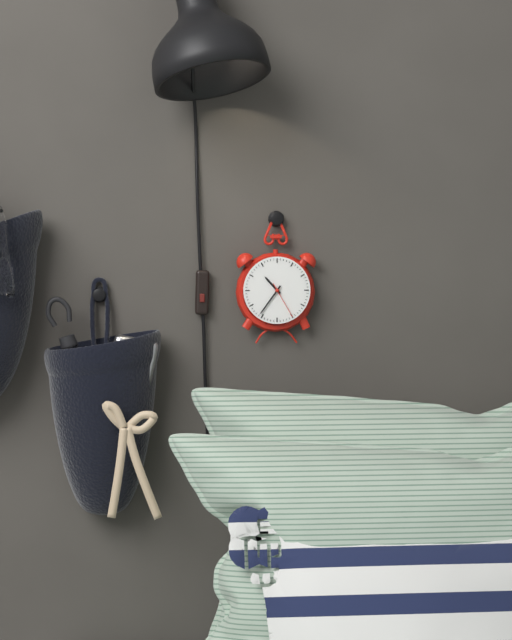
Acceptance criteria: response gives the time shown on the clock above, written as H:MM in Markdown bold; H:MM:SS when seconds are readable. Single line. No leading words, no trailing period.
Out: **10:36**
